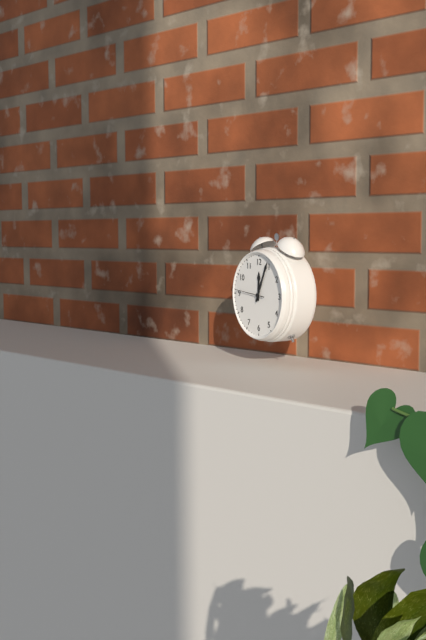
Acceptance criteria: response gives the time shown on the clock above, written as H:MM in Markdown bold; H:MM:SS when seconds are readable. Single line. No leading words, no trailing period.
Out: **12:04**
